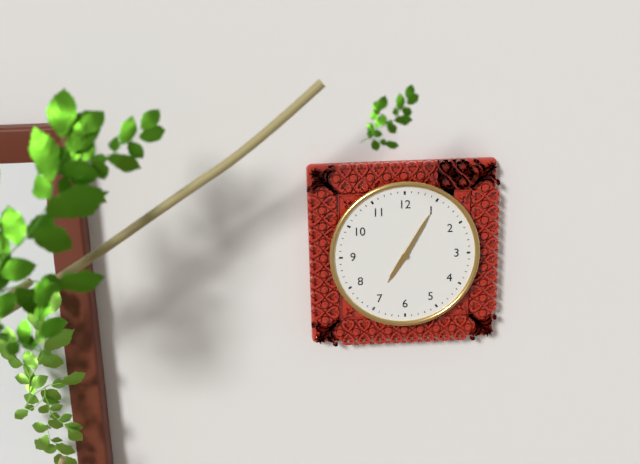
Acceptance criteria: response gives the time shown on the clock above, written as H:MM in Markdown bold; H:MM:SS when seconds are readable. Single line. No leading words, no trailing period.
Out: **7:05**
